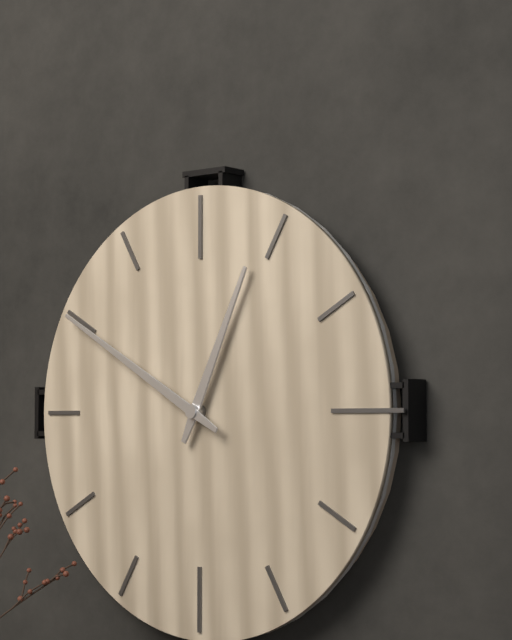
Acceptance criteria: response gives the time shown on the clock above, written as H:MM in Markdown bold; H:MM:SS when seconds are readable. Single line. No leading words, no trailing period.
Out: **12:50**
